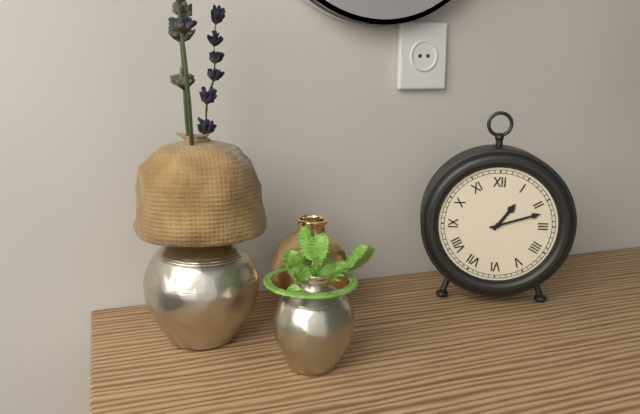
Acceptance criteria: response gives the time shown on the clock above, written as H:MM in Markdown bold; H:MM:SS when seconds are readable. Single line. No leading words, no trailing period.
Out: **1:12**
